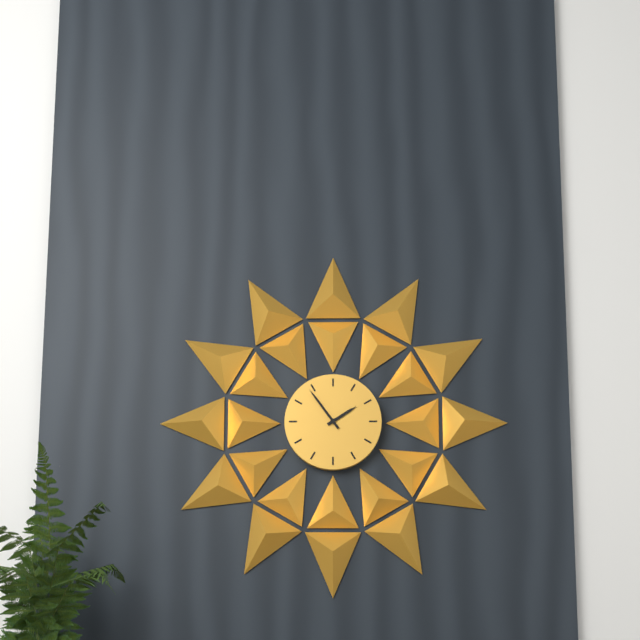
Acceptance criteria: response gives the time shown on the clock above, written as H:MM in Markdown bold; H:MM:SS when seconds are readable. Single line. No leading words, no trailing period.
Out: **1:54**
